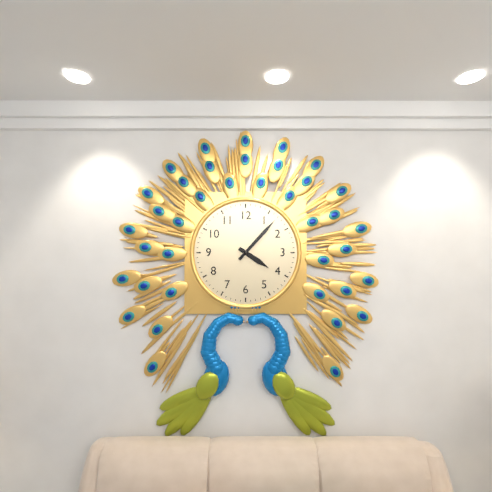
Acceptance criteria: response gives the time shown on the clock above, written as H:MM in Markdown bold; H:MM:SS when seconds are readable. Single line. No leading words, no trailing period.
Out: **4:07**
